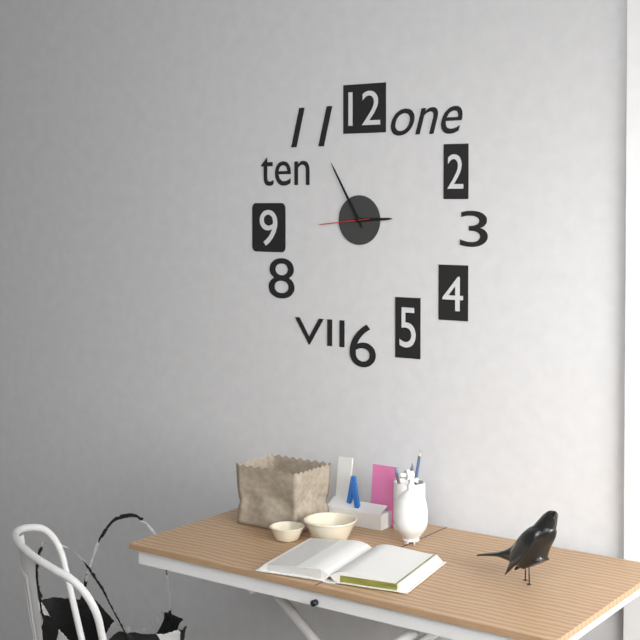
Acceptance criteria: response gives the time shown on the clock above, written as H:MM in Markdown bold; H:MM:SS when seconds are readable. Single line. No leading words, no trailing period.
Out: **2:55:44**
